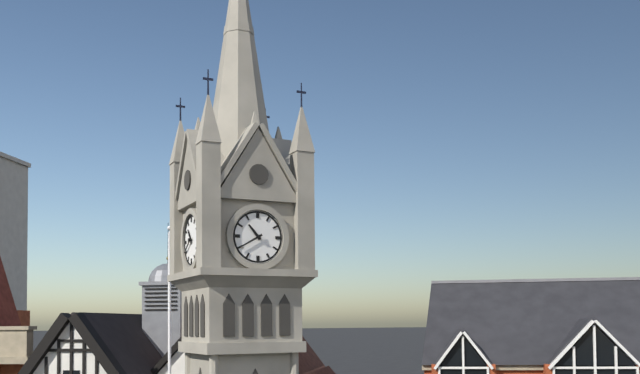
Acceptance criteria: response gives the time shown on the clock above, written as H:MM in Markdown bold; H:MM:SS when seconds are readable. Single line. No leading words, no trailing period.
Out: **10:40**
